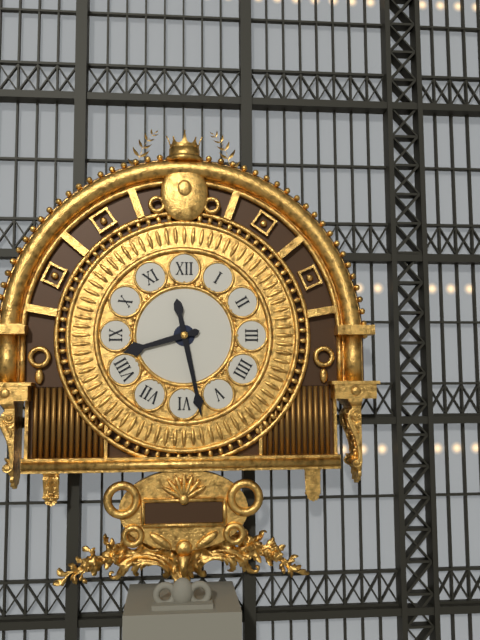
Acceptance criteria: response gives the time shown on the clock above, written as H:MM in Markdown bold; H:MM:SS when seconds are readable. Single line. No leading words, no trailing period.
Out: **8:28**
